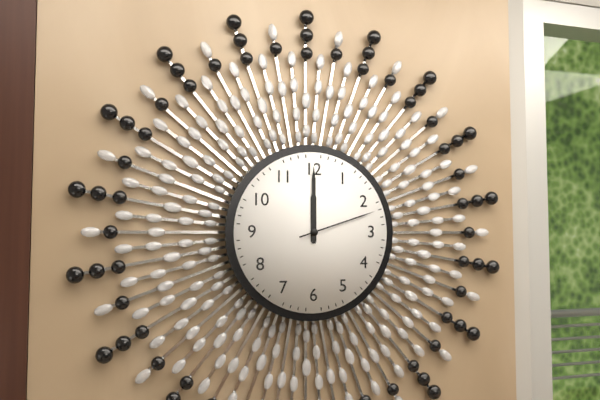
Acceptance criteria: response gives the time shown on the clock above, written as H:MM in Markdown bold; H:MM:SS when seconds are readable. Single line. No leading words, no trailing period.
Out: **12:00:12**
